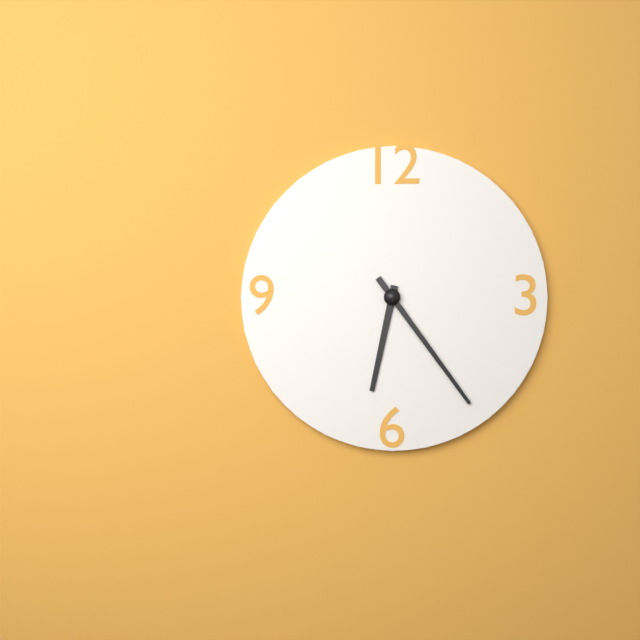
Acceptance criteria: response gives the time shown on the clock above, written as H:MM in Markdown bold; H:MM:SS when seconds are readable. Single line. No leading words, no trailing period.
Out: **6:24**
